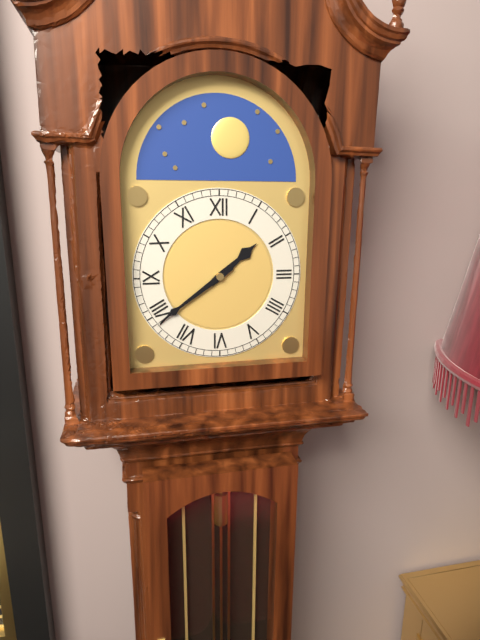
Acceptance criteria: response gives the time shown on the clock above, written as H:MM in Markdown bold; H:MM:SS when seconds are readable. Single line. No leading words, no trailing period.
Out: **1:39**
